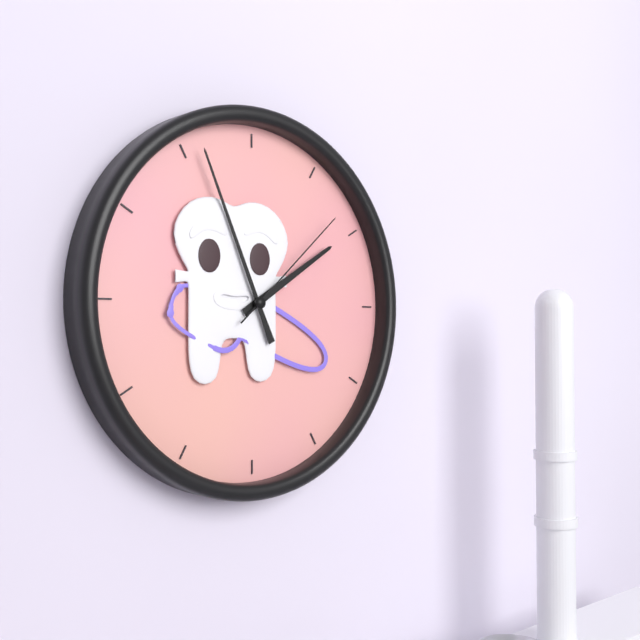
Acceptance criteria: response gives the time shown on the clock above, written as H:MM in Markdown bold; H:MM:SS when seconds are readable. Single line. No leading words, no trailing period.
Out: **1:56:08**
